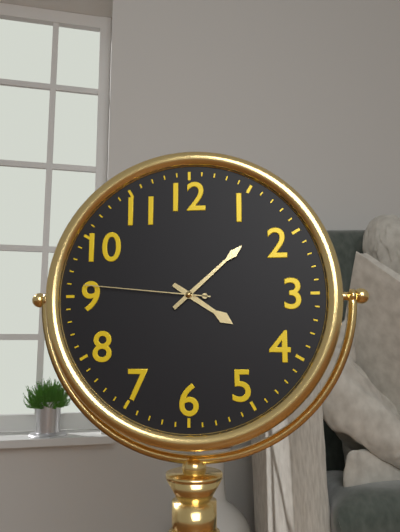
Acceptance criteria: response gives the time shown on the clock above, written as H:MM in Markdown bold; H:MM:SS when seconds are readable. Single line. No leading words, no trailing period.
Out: **4:08:46**
